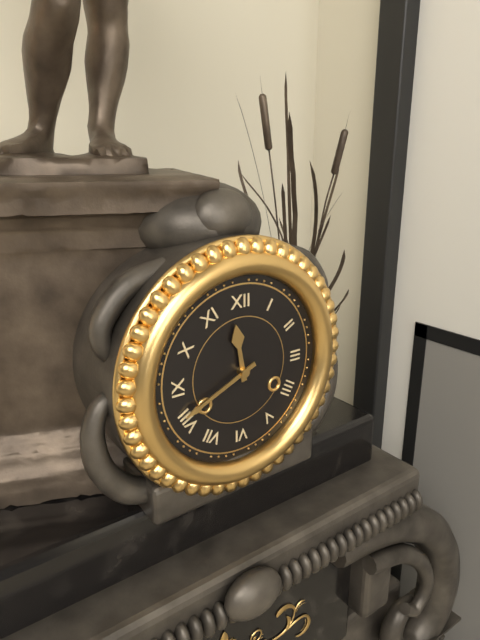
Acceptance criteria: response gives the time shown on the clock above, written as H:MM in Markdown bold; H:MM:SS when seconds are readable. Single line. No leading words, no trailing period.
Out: **11:41**
